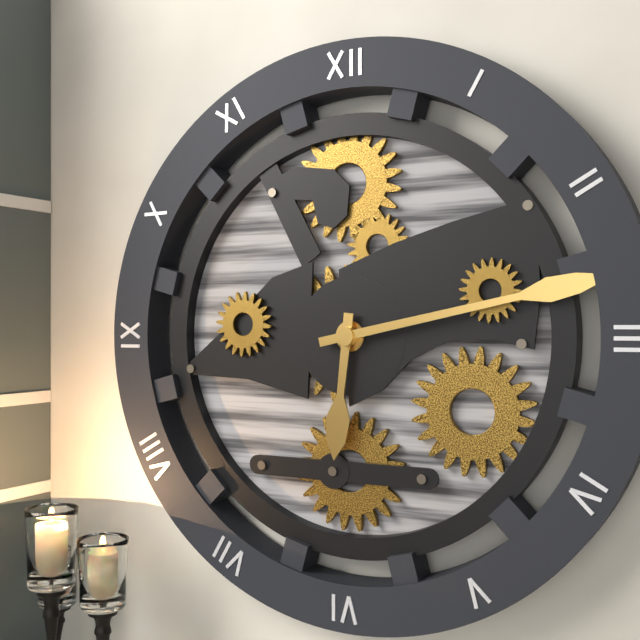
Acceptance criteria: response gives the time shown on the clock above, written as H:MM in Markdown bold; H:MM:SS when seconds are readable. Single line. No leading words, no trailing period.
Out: **6:13**
